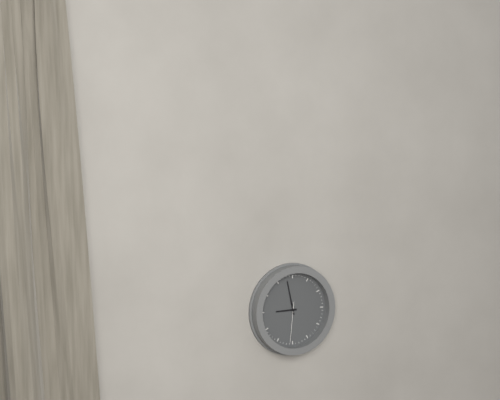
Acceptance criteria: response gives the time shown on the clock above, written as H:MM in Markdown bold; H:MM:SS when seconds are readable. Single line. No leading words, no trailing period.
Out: **8:58**
